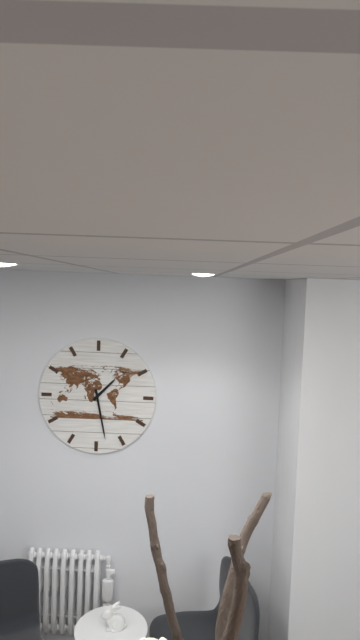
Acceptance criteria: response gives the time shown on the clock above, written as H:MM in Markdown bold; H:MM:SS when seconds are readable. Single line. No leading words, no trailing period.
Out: **1:28**
